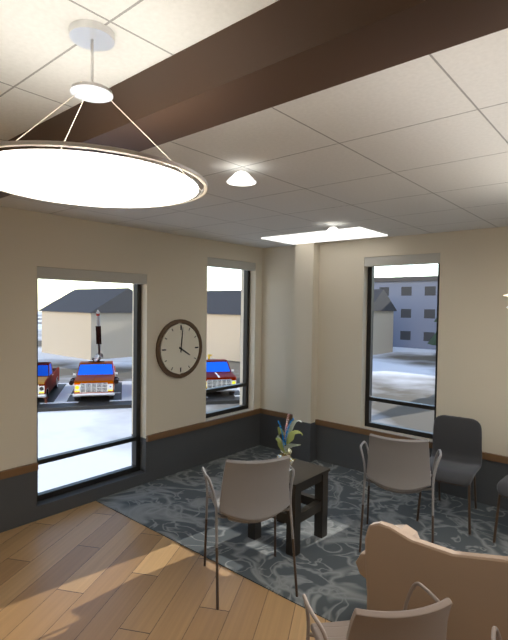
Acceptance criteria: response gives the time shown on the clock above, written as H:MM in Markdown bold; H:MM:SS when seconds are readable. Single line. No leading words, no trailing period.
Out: **4:01**
